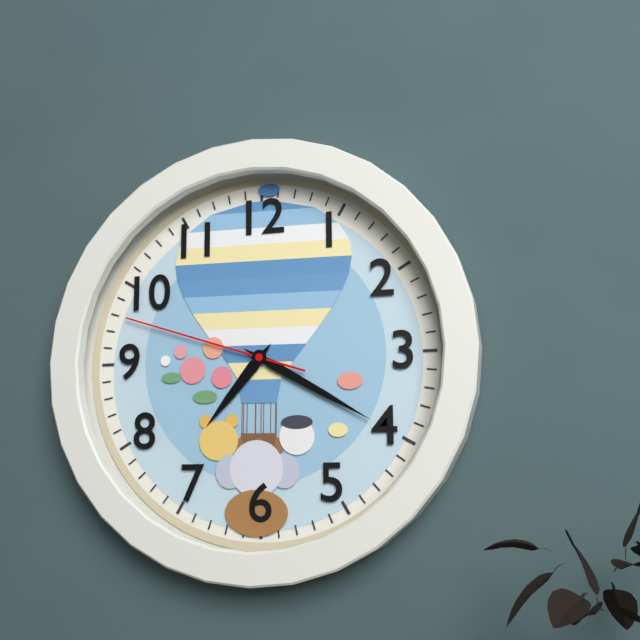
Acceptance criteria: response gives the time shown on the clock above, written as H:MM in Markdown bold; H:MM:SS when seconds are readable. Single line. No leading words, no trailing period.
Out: **7:20:48**
